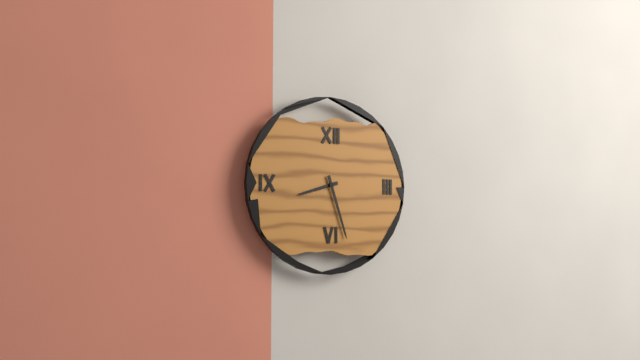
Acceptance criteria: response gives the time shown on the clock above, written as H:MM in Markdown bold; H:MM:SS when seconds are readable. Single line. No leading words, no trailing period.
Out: **8:27**
